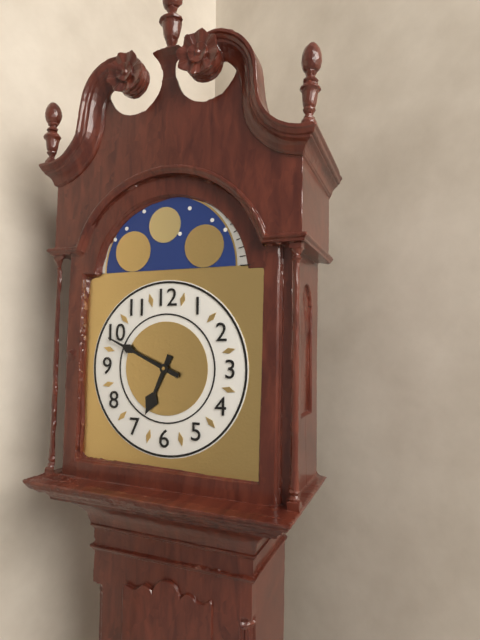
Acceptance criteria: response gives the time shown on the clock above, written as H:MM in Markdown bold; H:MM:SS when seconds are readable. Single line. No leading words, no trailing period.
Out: **6:49**
